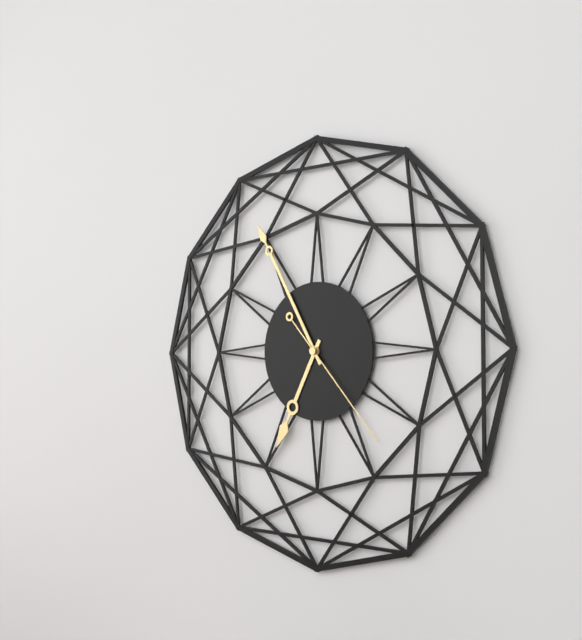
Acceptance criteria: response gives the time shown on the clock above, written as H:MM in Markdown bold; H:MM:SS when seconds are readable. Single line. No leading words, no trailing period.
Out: **6:55:23**
